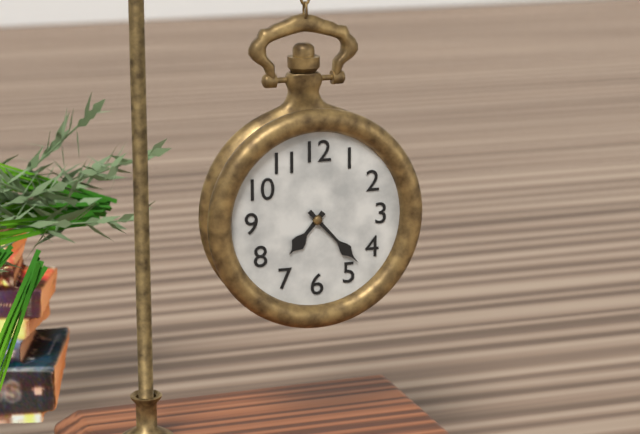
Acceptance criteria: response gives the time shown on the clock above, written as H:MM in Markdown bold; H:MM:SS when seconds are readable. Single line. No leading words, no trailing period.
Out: **7:23**
